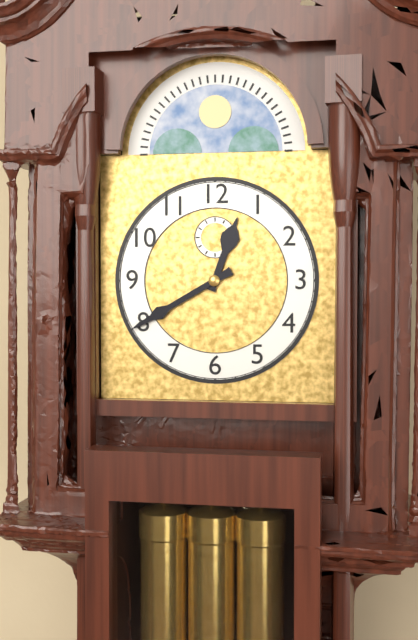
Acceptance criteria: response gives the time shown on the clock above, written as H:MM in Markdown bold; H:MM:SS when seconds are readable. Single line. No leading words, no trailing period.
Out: **12:40**
